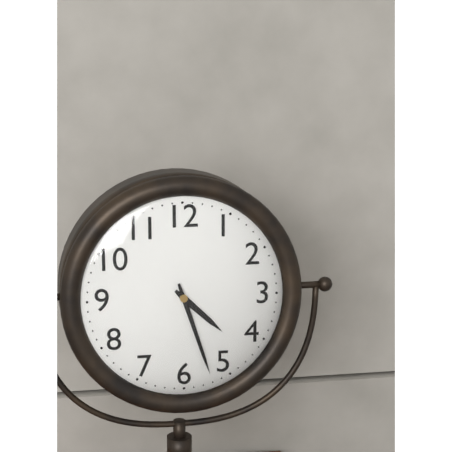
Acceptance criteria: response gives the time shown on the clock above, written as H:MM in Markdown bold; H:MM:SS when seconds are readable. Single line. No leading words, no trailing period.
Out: **4:27**
